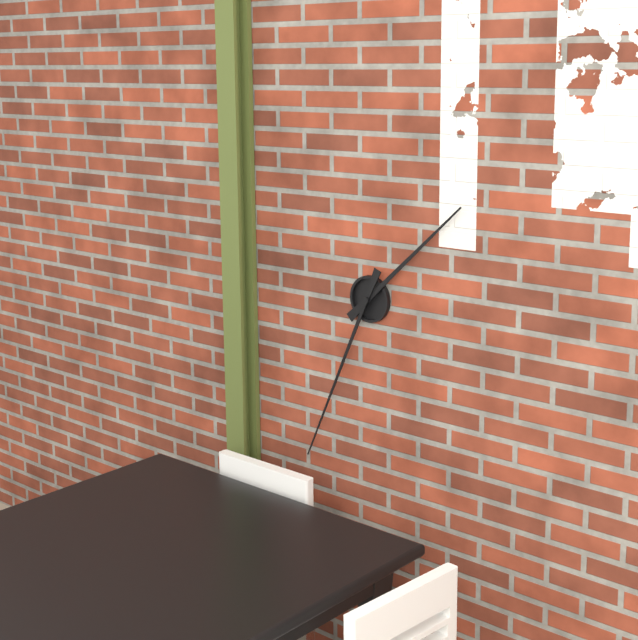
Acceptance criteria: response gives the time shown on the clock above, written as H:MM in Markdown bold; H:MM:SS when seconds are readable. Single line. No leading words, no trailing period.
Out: **1:34**
